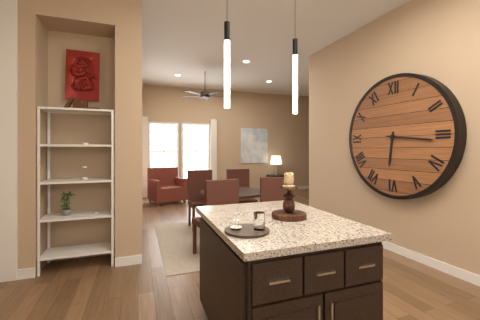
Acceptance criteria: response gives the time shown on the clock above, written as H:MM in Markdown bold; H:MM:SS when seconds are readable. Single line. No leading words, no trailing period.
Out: **6:16**
